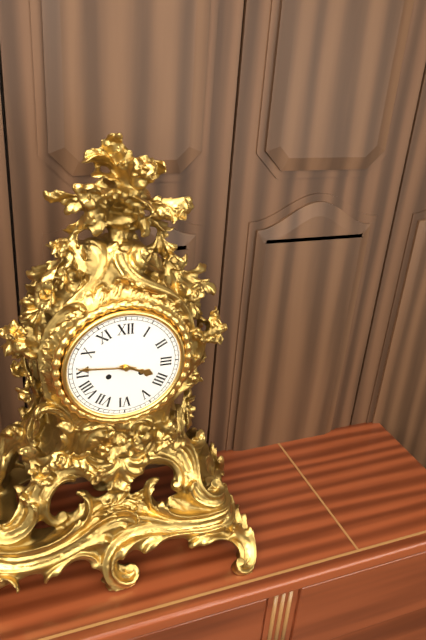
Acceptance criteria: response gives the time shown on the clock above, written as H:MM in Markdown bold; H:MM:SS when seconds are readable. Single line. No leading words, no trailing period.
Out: **3:46**
